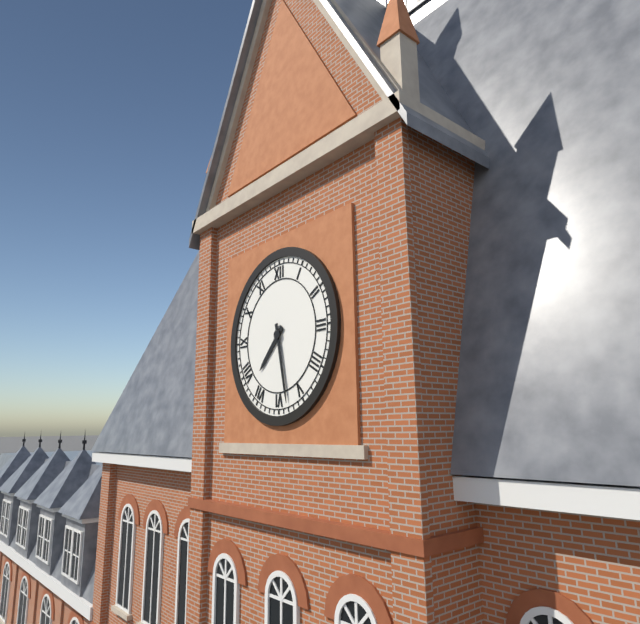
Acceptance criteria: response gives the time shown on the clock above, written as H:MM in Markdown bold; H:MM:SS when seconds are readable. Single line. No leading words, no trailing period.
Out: **7:28**
